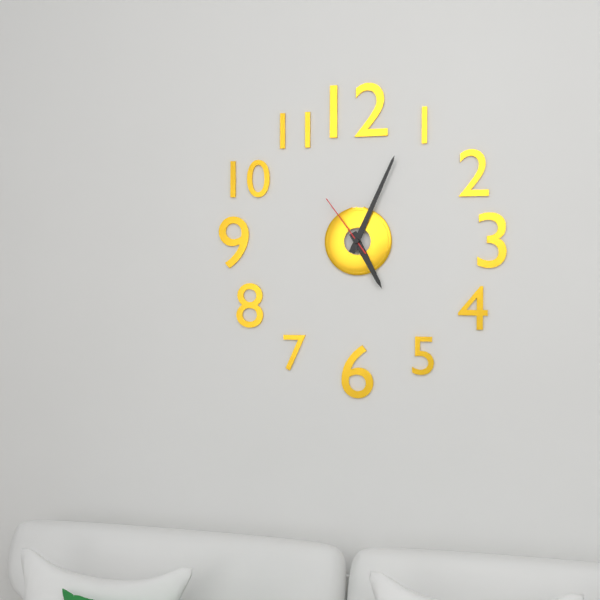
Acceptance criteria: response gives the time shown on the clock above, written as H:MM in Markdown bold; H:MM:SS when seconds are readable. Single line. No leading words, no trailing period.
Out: **5:04:54**
